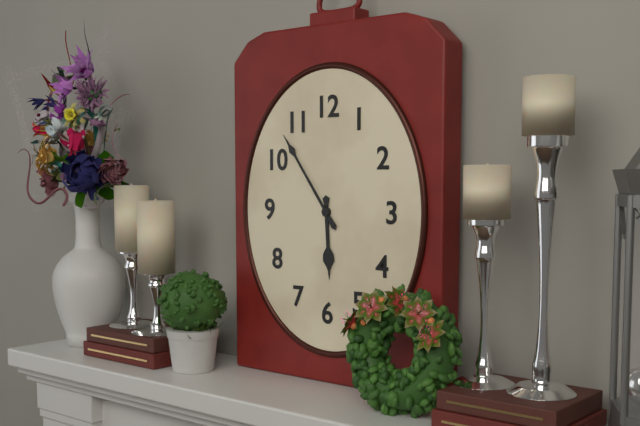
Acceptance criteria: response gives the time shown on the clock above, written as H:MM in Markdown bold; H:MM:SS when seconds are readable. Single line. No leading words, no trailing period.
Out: **5:54**
